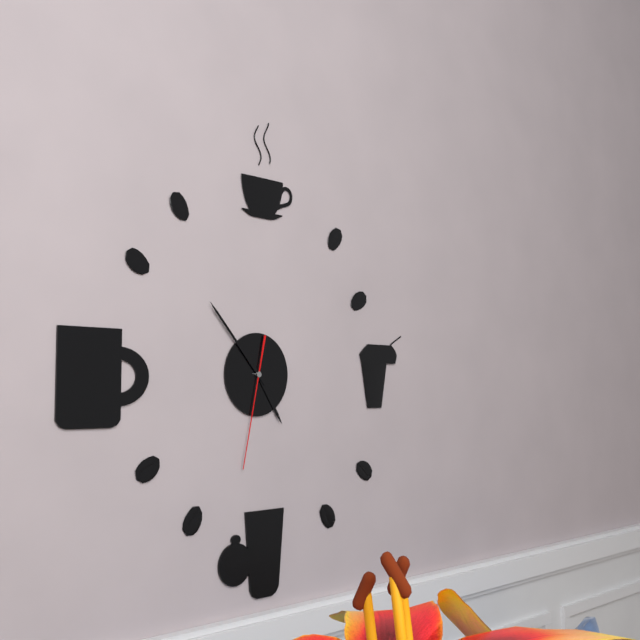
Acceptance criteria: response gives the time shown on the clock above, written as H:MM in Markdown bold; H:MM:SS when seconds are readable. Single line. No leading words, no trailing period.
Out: **4:53:32**
